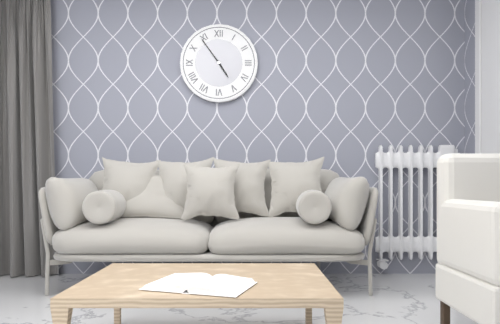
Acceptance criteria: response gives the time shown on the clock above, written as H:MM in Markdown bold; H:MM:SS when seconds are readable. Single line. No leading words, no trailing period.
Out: **4:54**
